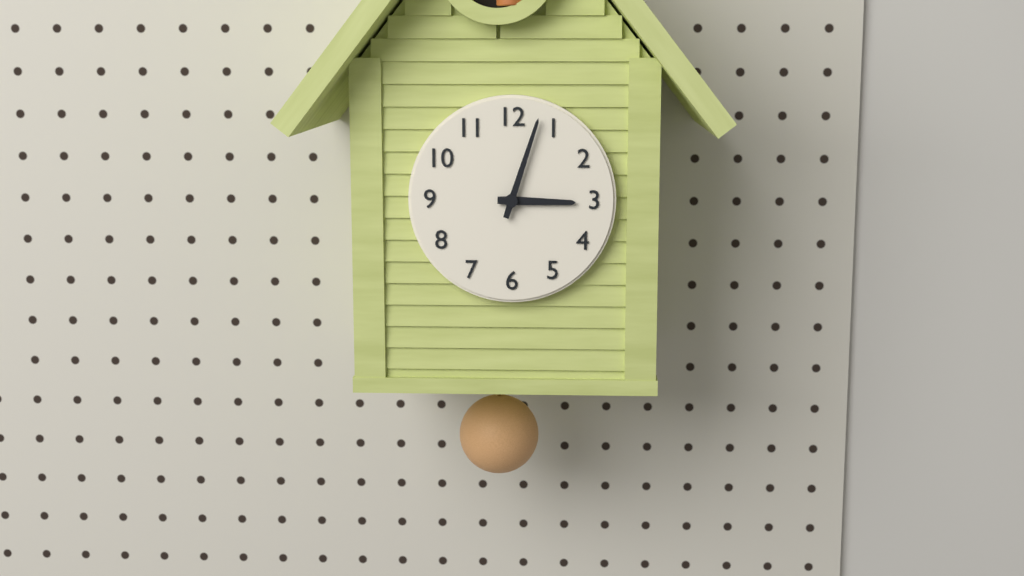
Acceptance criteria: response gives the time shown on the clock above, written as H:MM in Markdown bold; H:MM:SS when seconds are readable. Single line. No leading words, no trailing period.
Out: **3:03**
